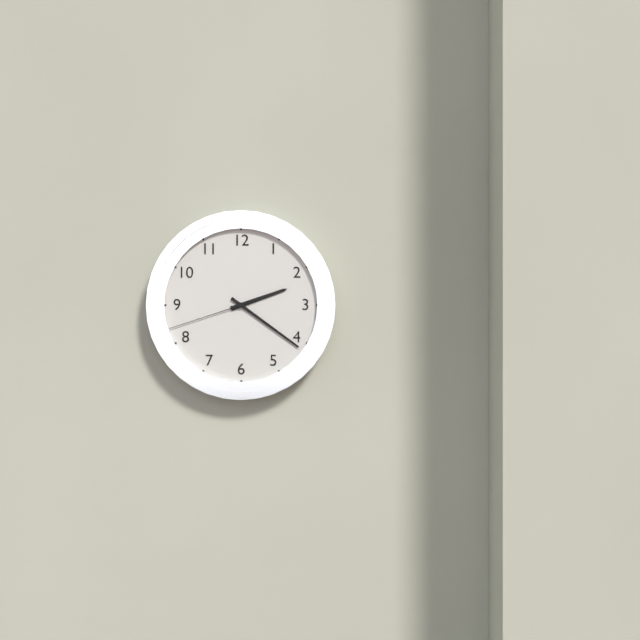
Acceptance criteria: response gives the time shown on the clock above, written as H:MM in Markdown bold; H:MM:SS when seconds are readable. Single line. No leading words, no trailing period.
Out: **2:21:42**
